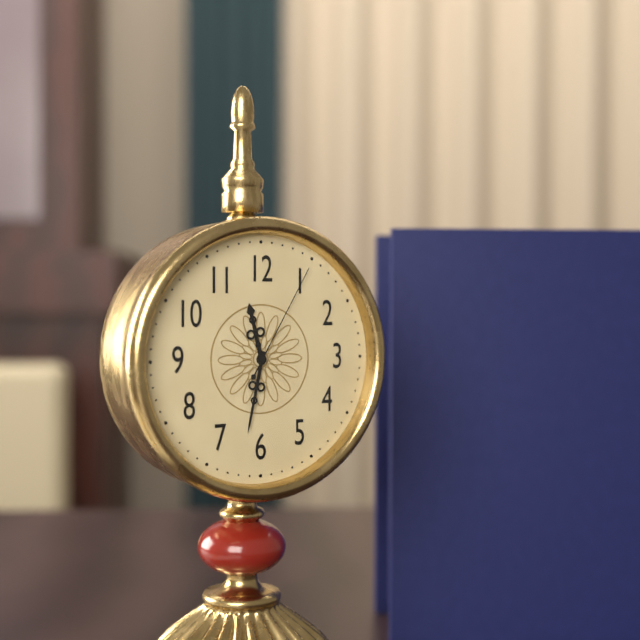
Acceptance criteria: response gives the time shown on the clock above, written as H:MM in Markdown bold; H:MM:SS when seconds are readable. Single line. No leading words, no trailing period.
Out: **11:32:05**
